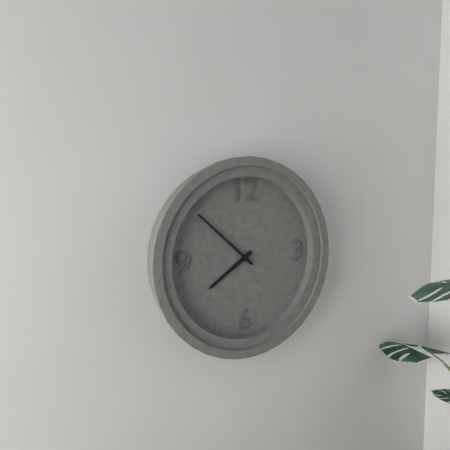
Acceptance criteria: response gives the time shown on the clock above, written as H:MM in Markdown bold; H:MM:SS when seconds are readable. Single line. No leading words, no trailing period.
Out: **7:52**
